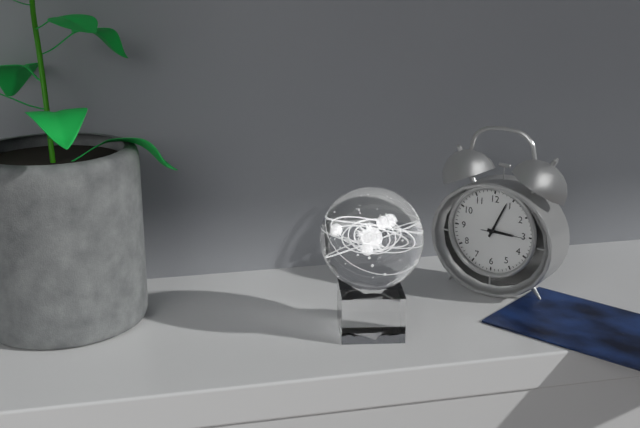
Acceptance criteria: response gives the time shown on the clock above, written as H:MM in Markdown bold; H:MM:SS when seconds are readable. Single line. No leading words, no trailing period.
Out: **3:04**
